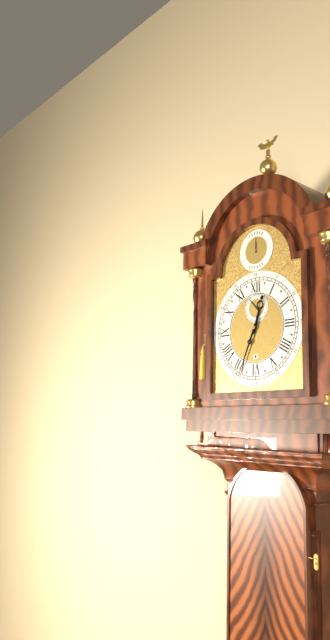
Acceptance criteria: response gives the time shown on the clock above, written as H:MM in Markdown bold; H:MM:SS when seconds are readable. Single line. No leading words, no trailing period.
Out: **12:34**
